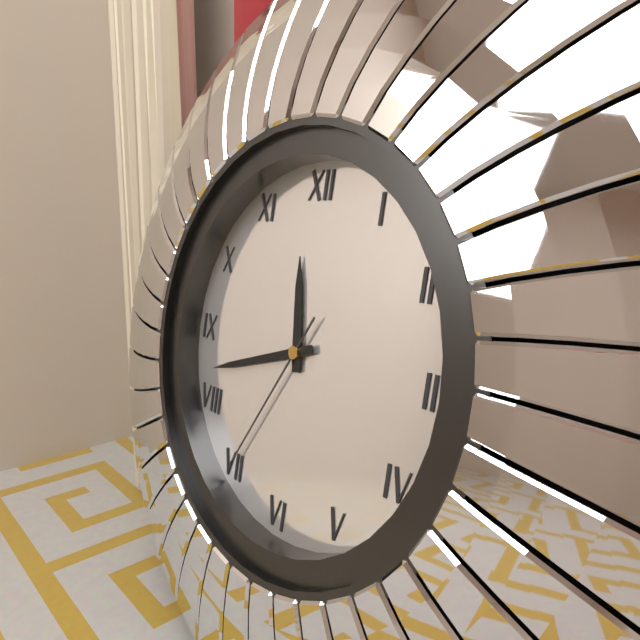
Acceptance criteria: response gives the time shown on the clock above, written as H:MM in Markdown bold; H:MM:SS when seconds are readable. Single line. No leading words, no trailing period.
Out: **11:42:35**
